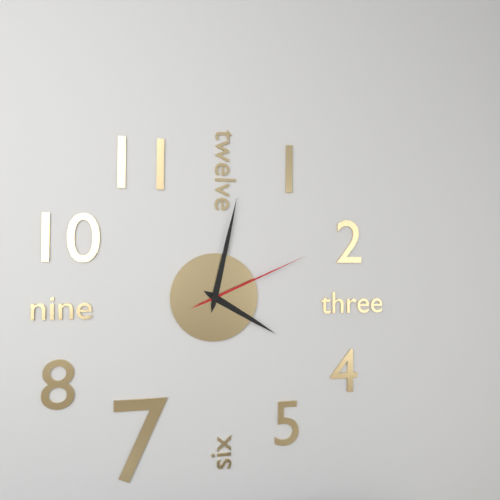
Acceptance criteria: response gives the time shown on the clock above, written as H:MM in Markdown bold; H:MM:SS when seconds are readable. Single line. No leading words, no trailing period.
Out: **4:02:11**
